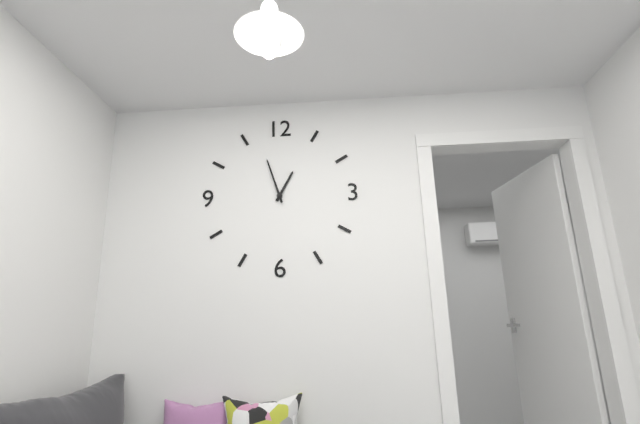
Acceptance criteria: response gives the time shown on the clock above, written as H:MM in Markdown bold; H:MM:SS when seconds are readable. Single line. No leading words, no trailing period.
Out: **12:57**
